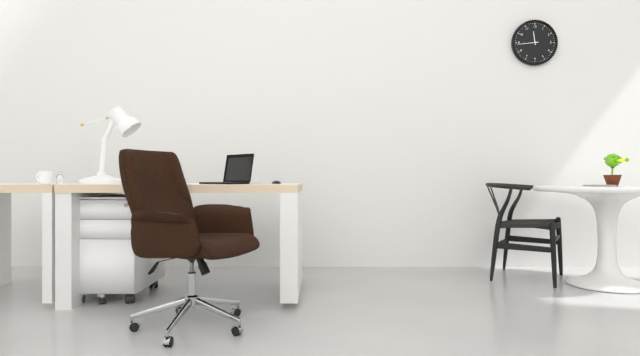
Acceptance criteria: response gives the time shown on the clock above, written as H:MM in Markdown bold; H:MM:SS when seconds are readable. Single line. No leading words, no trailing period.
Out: **11:44**
